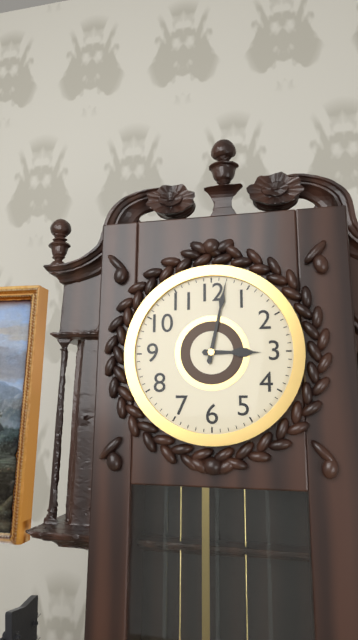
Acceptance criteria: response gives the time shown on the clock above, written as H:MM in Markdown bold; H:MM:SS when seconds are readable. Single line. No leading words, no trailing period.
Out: **3:02**
